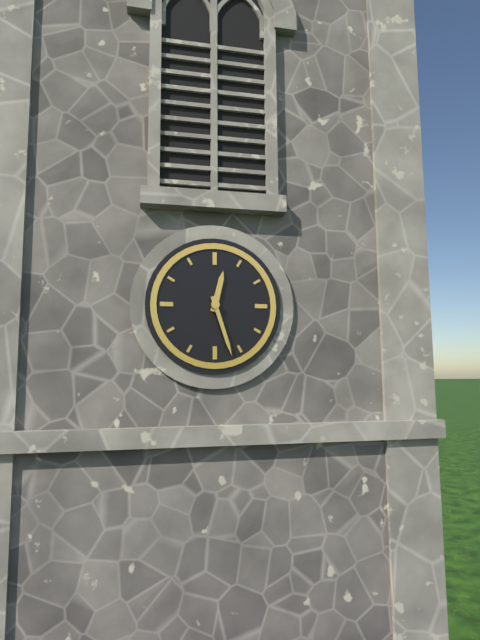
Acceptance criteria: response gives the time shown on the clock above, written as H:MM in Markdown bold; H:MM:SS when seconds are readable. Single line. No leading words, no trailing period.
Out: **12:27**
